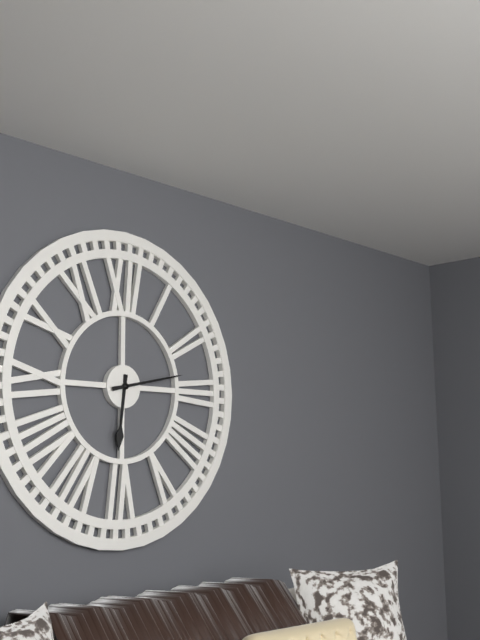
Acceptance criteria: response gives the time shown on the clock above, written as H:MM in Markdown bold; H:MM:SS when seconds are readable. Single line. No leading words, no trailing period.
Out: **6:13**
